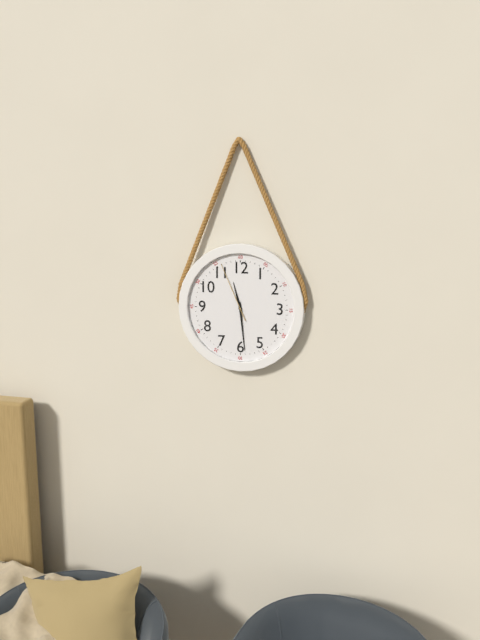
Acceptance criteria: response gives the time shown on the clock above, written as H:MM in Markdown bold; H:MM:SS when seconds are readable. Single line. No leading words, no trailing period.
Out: **11:29:56**
